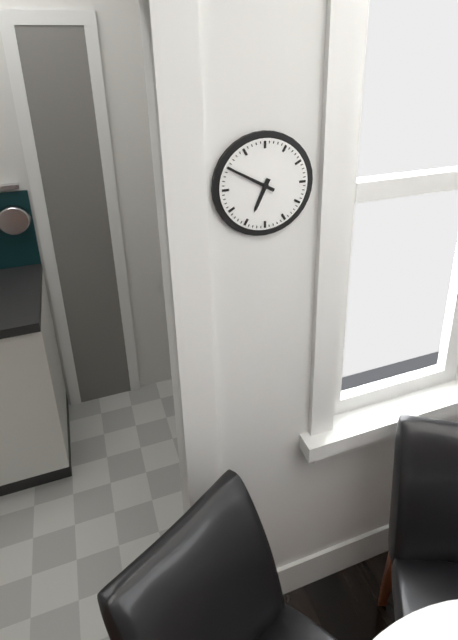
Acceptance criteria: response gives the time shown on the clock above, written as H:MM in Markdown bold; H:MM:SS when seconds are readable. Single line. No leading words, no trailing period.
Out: **6:50**
